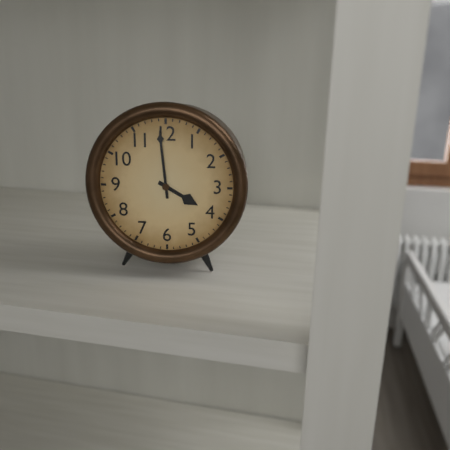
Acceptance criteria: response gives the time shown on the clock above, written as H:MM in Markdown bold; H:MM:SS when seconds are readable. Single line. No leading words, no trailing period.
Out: **3:59**
